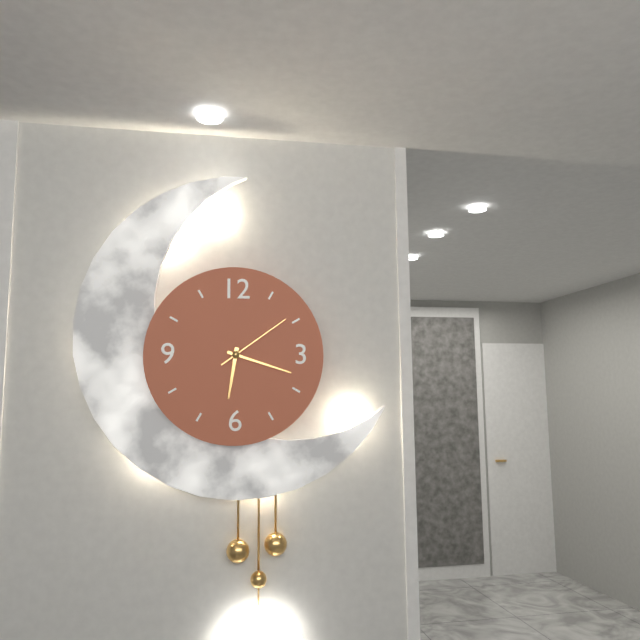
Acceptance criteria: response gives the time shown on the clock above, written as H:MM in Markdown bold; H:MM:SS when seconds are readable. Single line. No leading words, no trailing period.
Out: **6:18:09**
